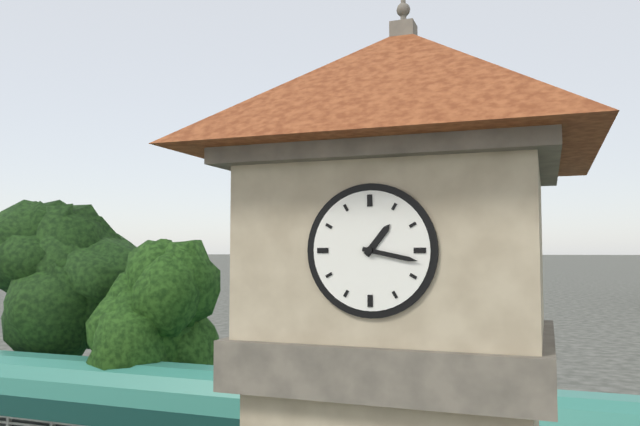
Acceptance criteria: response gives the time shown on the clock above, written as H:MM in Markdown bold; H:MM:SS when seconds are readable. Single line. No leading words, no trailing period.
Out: **1:17**
